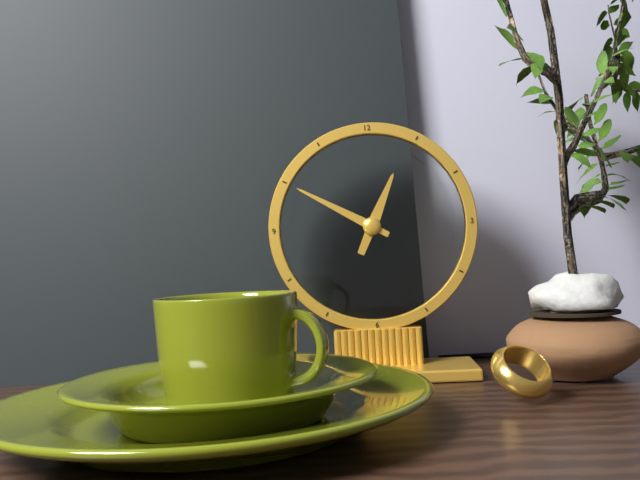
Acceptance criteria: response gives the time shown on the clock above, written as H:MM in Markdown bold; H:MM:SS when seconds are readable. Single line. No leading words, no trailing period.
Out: **12:50**
